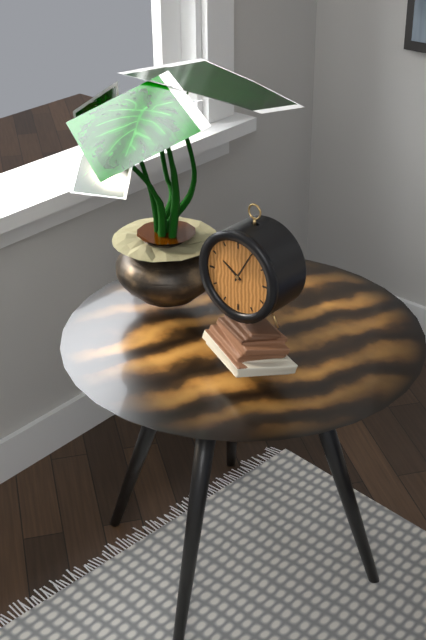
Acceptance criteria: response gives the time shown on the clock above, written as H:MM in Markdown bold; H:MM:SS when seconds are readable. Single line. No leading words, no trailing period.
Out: **10:05**
